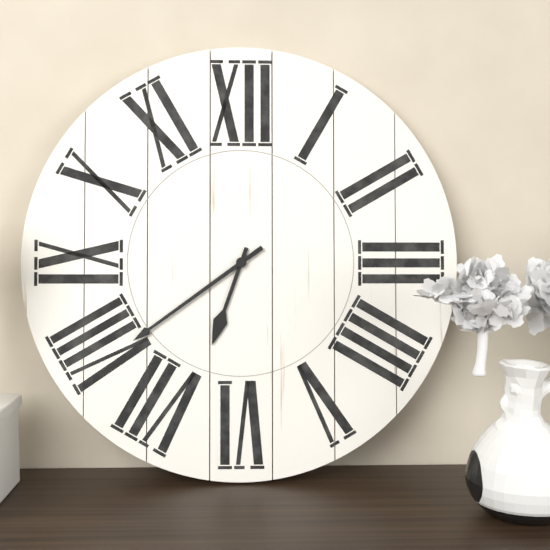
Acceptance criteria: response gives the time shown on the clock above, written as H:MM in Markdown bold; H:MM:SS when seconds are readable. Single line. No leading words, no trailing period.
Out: **6:39**
